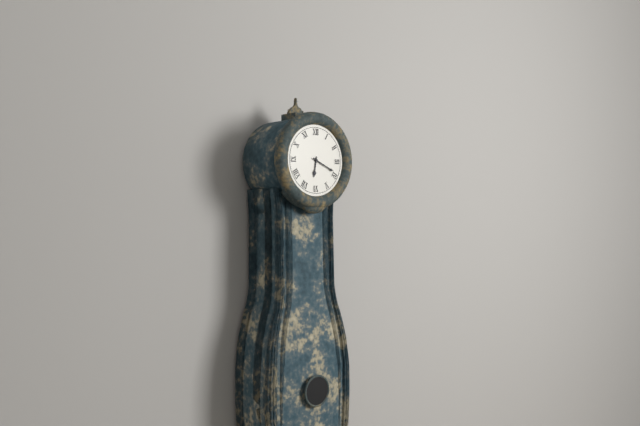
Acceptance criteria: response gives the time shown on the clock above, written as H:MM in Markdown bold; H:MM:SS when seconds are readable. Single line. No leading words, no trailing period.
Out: **6:19**
